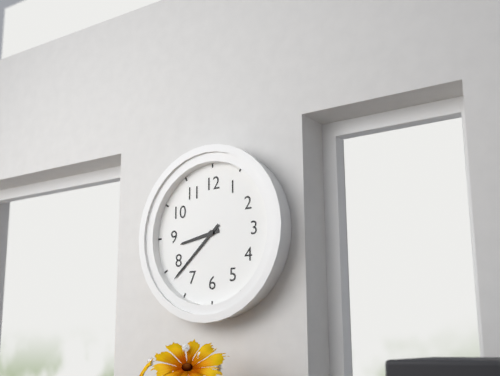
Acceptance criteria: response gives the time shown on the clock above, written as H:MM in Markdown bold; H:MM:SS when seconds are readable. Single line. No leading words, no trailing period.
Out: **8:38**
